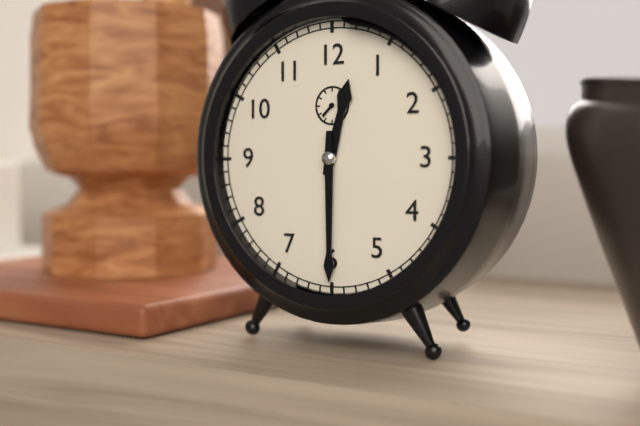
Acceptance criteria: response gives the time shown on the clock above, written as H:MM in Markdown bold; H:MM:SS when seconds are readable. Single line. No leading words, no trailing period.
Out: **12:30**
